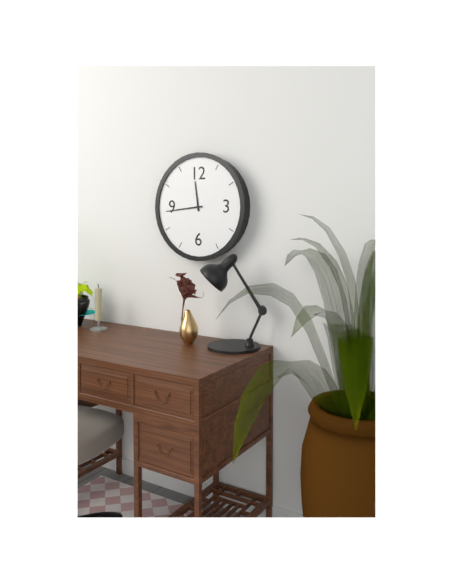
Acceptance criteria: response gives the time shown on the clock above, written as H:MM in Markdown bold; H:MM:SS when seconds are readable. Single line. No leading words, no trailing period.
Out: **11:44**
